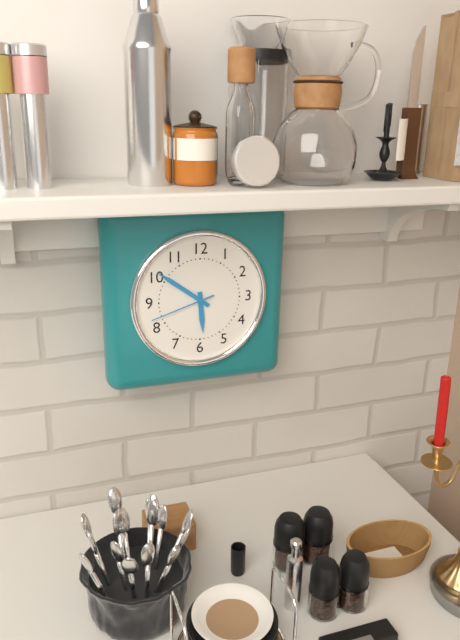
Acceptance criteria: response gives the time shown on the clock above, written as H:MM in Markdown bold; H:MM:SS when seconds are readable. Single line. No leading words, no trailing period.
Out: **5:51:42**
